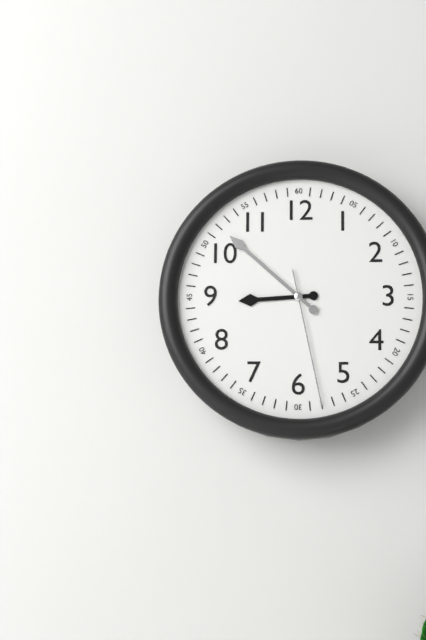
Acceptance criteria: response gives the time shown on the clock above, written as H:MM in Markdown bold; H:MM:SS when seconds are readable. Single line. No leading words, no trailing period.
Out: **8:52:28**
